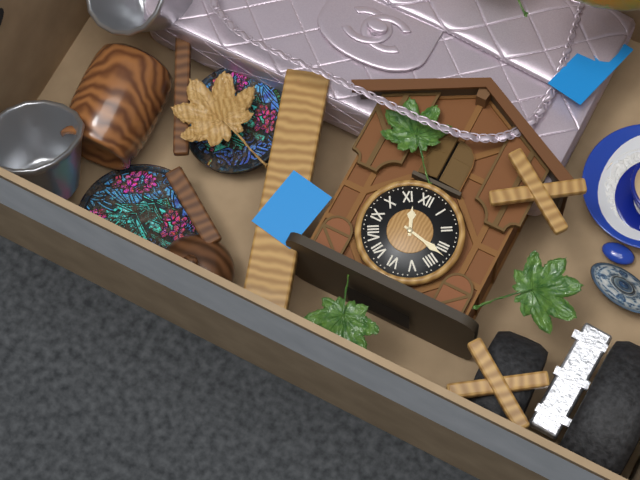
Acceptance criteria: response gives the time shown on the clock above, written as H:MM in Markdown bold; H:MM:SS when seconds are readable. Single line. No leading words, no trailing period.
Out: **11:17**
